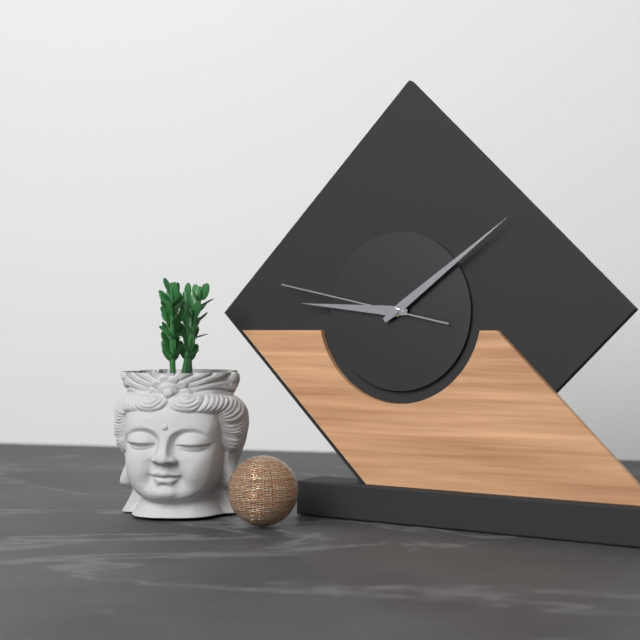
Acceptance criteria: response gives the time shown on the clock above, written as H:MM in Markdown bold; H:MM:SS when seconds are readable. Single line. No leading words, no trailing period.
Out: **9:09:47**
